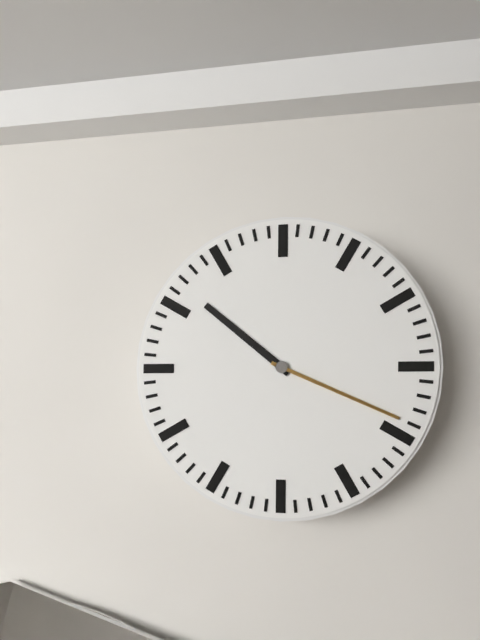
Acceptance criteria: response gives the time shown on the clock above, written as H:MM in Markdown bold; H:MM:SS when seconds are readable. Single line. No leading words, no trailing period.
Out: **10:19**
